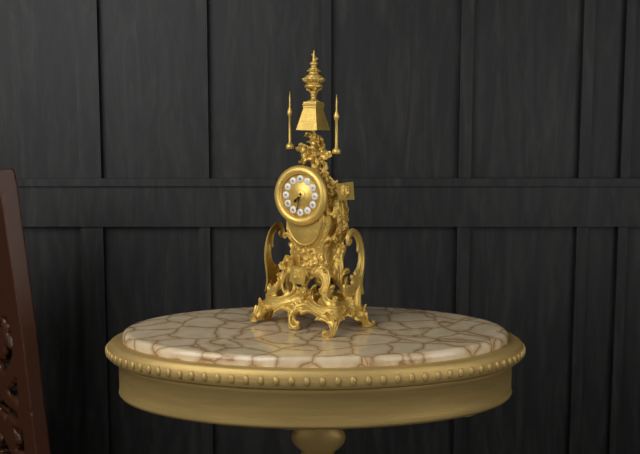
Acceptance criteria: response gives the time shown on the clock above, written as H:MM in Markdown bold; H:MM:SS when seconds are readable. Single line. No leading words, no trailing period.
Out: **7:32**
